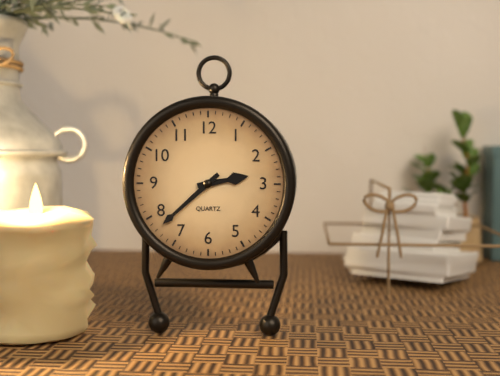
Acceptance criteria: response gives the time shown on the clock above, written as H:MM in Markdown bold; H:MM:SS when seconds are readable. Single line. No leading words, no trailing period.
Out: **2:38**
